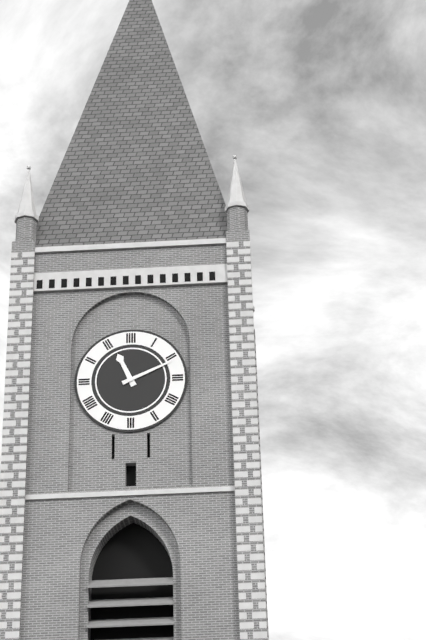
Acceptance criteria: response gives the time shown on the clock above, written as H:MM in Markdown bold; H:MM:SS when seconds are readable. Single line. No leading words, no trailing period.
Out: **11:11**
